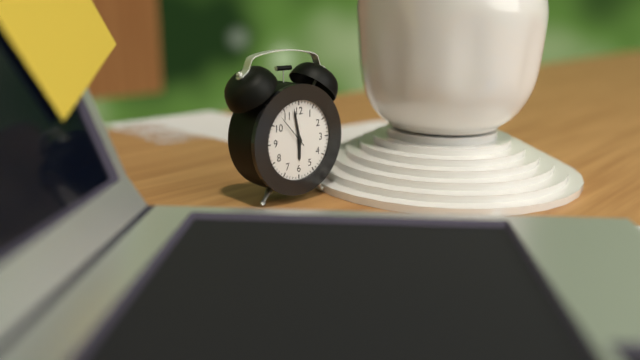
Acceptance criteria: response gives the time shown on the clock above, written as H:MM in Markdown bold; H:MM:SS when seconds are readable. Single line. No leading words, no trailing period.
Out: **5:58**
